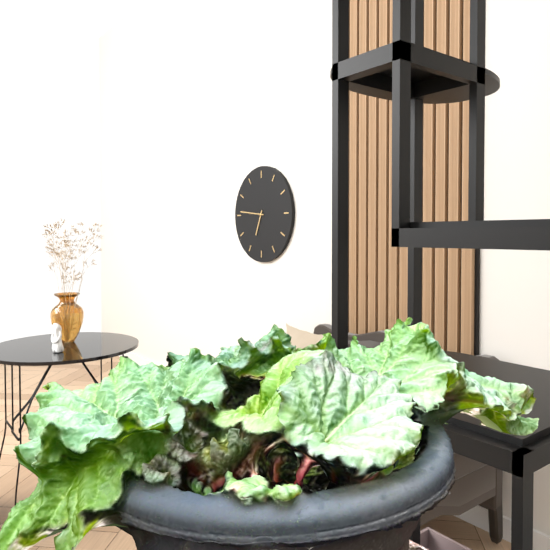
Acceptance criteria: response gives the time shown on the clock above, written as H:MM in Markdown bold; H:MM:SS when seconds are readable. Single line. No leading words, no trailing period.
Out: **6:46**
